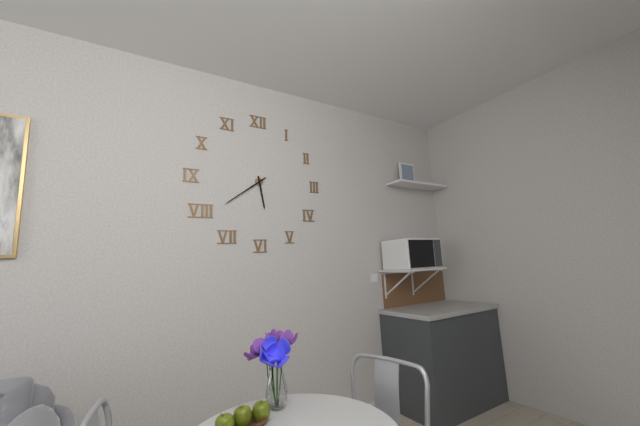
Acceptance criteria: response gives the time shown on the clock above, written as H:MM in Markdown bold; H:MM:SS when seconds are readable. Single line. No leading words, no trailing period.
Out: **5:39**
